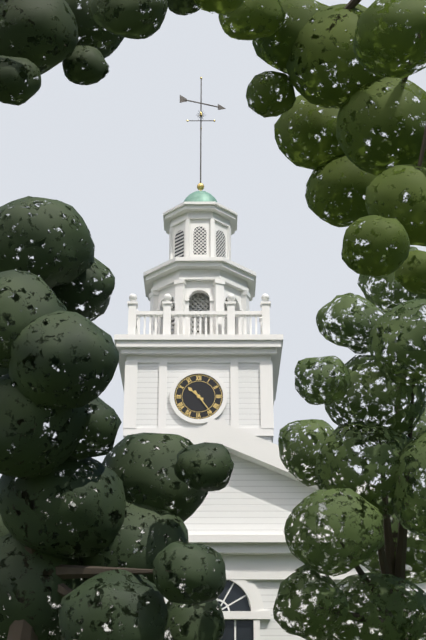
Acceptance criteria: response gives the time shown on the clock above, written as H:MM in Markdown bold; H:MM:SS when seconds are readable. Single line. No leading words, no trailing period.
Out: **10:24**
